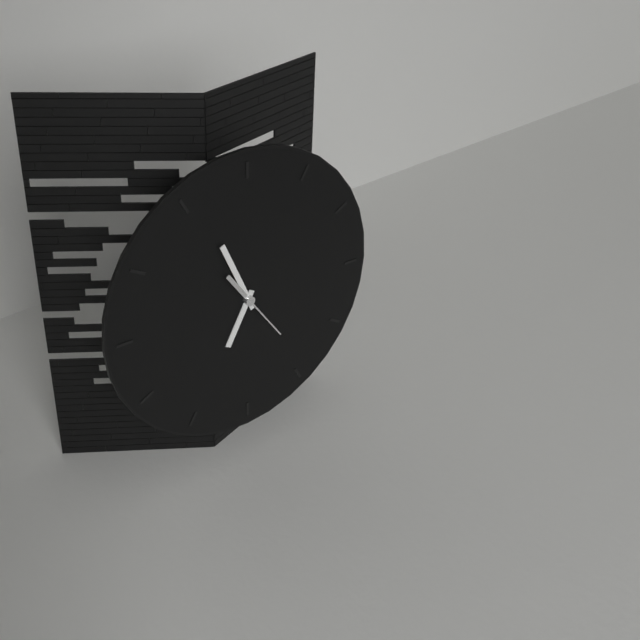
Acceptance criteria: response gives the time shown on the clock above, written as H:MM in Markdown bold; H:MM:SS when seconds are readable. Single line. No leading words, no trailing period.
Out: **6:56:24**
